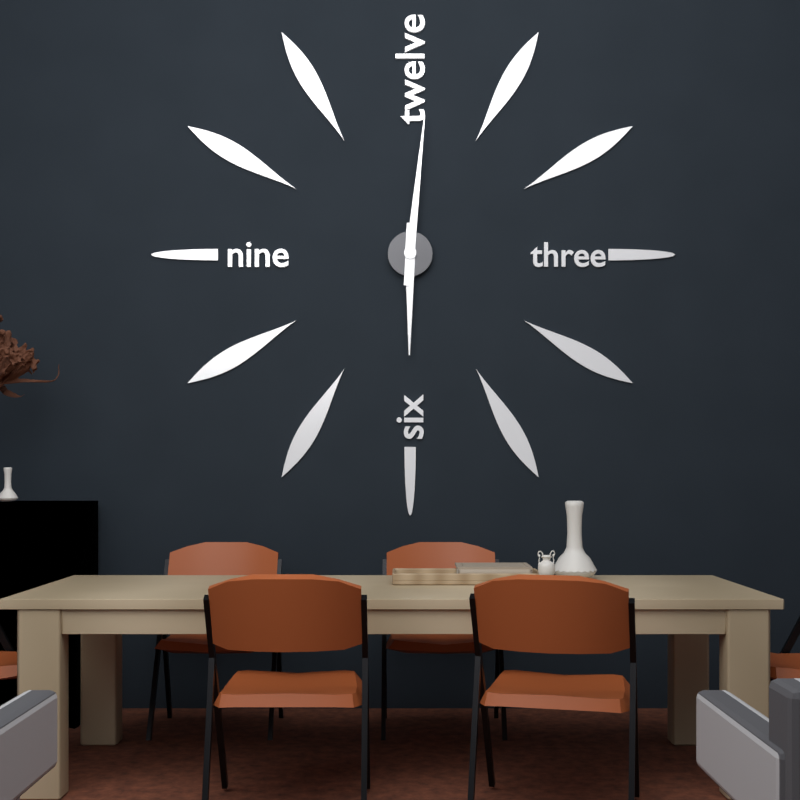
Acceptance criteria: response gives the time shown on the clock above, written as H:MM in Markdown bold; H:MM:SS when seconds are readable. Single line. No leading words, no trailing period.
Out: **6:01**
